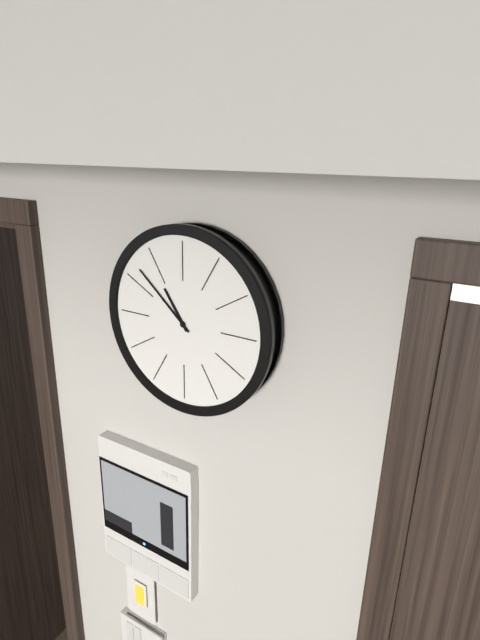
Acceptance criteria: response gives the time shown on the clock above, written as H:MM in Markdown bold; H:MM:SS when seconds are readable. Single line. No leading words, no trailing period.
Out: **10:52**
